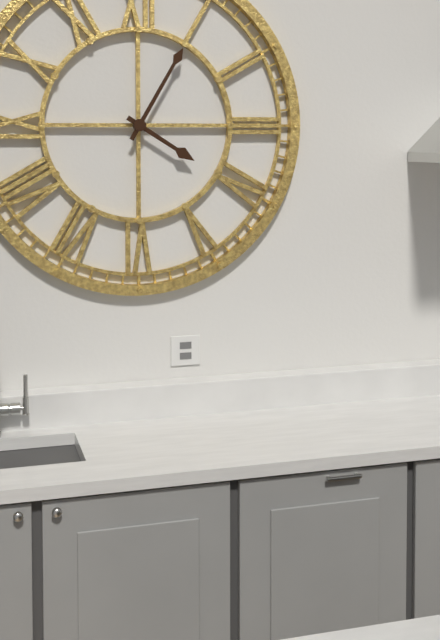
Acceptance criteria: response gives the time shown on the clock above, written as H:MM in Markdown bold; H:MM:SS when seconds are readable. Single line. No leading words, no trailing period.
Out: **4:05**
